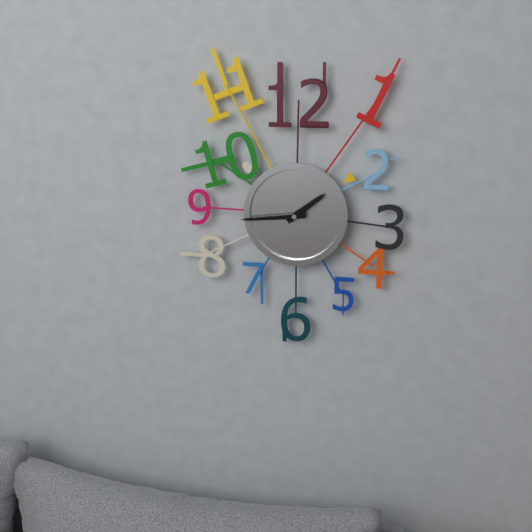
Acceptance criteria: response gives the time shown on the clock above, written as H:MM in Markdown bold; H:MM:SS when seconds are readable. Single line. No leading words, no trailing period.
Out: **1:44**
